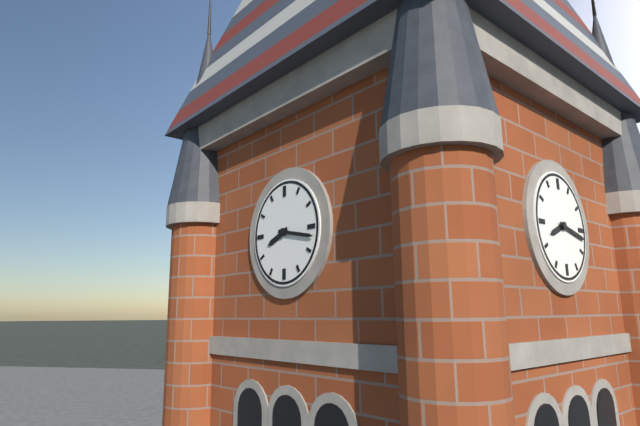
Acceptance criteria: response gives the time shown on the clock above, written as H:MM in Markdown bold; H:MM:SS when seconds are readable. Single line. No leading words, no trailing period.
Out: **8:17**
